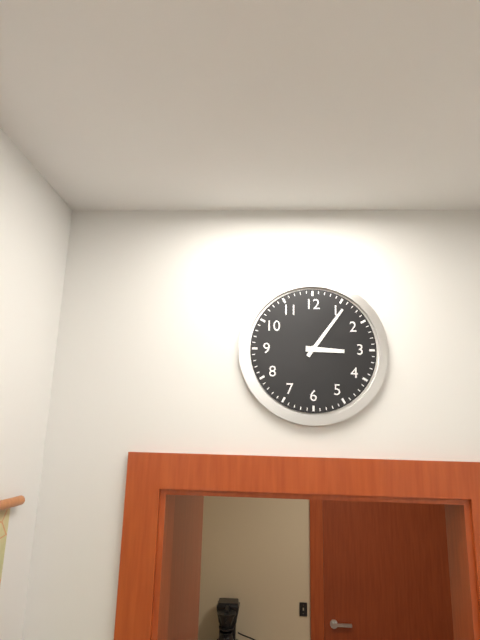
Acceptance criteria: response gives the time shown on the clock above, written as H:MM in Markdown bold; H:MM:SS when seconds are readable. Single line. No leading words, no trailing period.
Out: **3:06**
